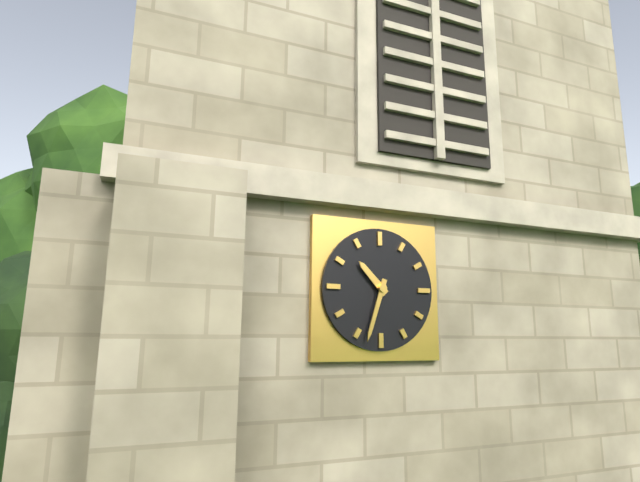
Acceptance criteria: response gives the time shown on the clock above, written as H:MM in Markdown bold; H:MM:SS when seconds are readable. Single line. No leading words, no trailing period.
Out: **10:33**
